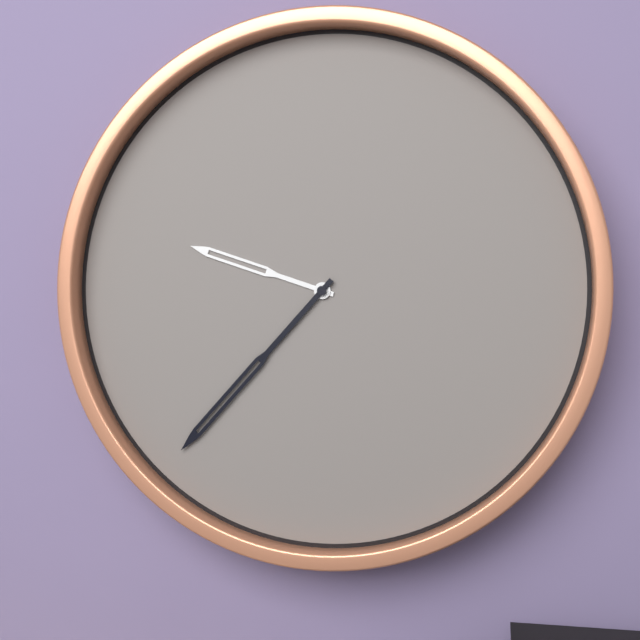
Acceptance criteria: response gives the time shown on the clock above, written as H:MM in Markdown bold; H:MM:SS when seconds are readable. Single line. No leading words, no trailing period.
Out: **9:37**
